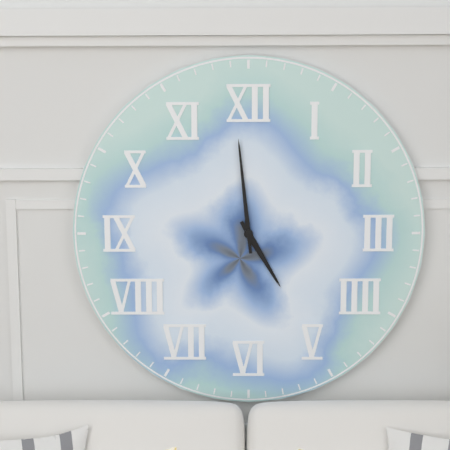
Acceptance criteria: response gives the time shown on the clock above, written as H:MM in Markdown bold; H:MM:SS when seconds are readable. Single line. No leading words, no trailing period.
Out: **4:59**
